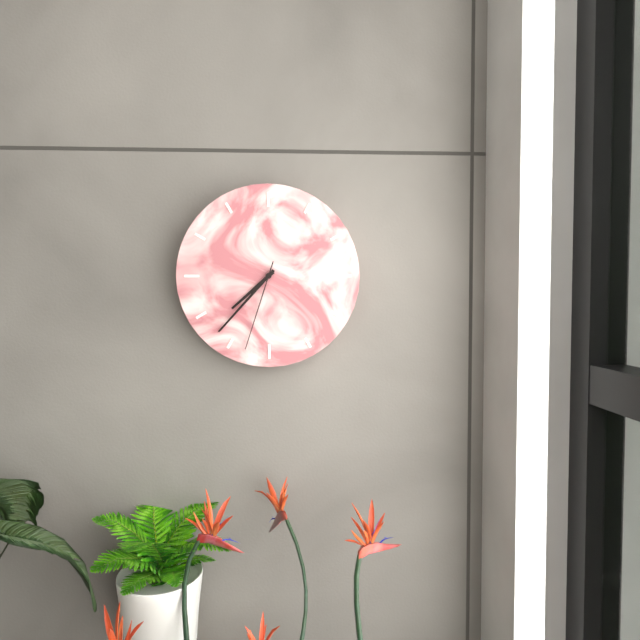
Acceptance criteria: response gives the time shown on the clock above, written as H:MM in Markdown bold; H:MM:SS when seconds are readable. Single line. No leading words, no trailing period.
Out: **7:37:33**
